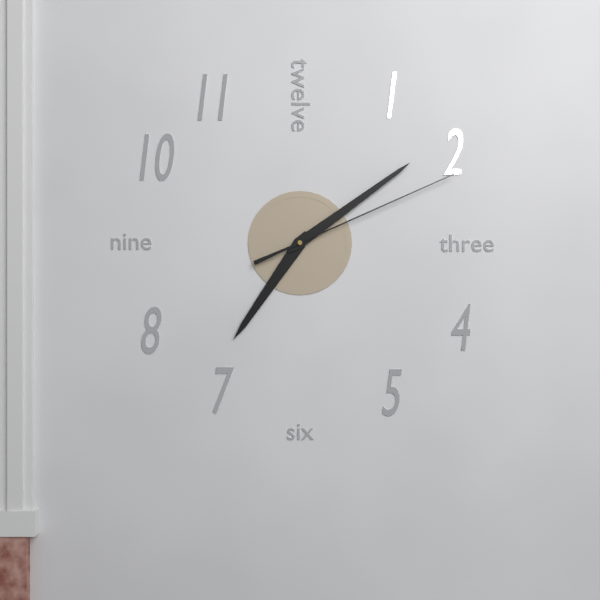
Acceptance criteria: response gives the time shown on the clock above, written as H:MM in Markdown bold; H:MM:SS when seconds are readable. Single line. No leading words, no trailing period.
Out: **7:09:11**
